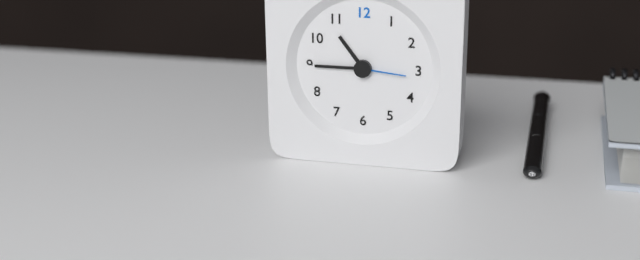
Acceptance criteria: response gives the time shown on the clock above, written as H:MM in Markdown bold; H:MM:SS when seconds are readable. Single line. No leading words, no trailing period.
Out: **10:45:16**
